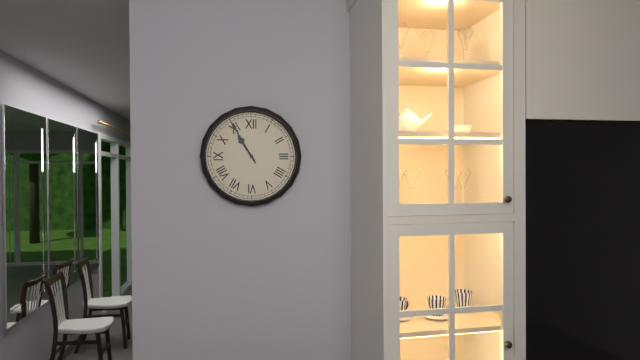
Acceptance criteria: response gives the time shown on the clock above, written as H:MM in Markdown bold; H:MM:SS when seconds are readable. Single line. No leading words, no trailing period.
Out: **10:55**
